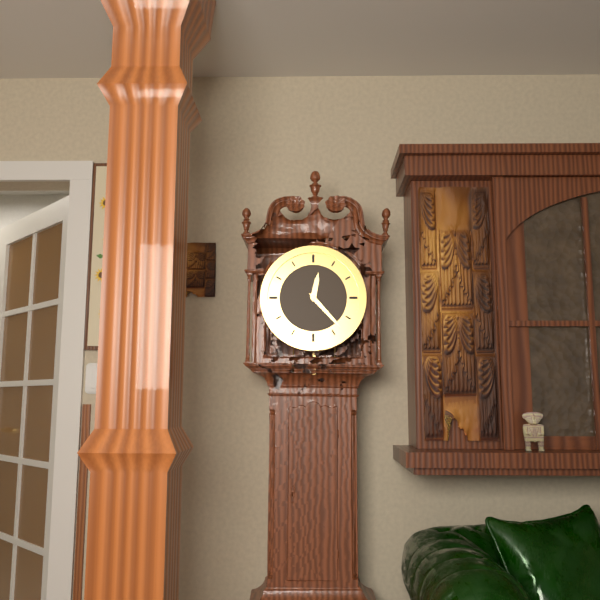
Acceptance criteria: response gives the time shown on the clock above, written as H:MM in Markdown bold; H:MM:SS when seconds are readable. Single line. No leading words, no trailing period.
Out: **12:23**
